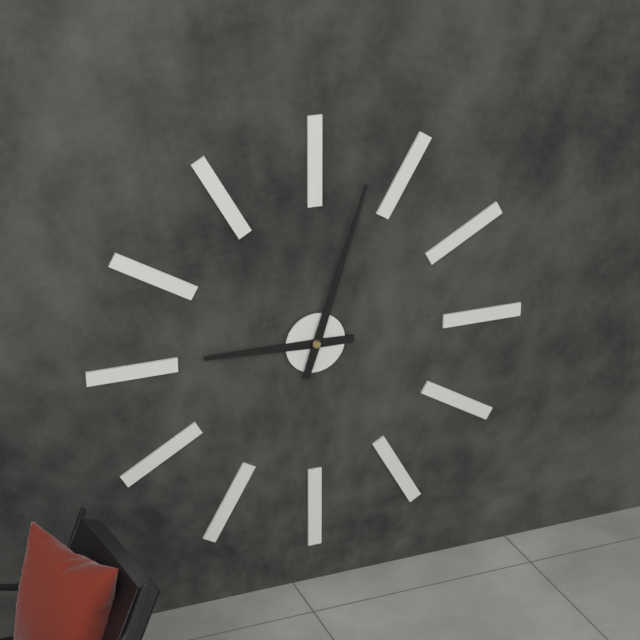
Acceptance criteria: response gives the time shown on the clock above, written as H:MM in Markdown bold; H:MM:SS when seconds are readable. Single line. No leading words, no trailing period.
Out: **9:03**
